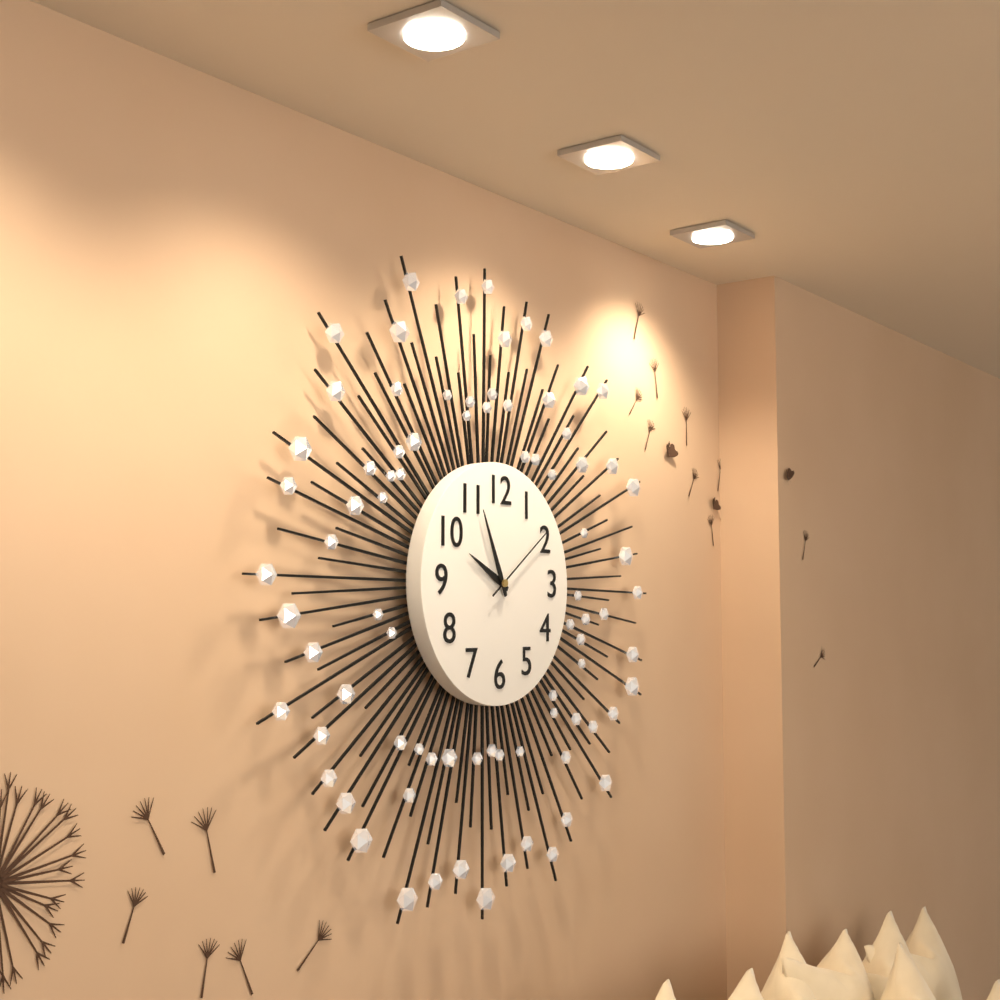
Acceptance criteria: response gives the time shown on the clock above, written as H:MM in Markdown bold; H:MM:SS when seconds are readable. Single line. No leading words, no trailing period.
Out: **9:56:09**
